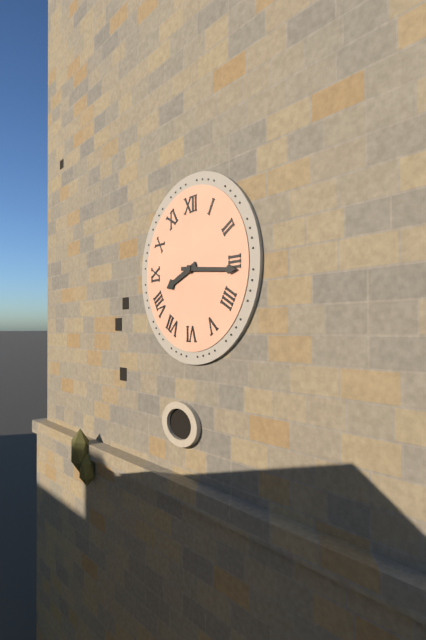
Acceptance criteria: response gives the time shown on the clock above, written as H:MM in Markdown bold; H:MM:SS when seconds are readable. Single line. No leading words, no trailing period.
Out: **8:16**
